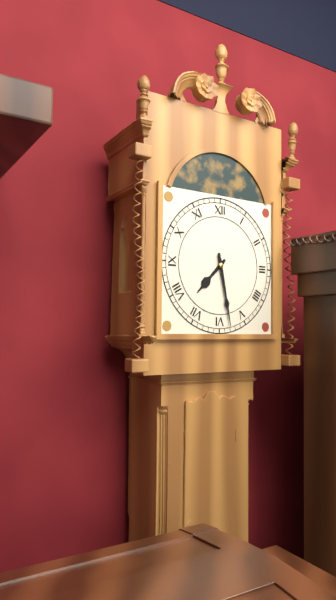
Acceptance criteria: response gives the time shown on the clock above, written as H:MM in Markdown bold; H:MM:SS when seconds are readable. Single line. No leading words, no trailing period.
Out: **7:28**
